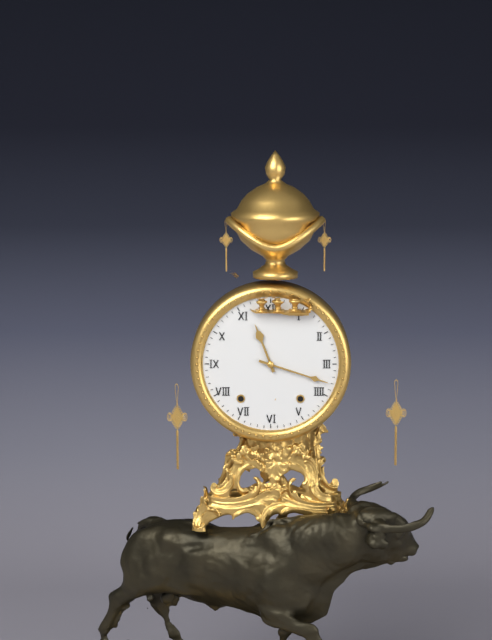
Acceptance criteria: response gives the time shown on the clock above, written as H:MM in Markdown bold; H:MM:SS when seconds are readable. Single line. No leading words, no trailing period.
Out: **11:18**
